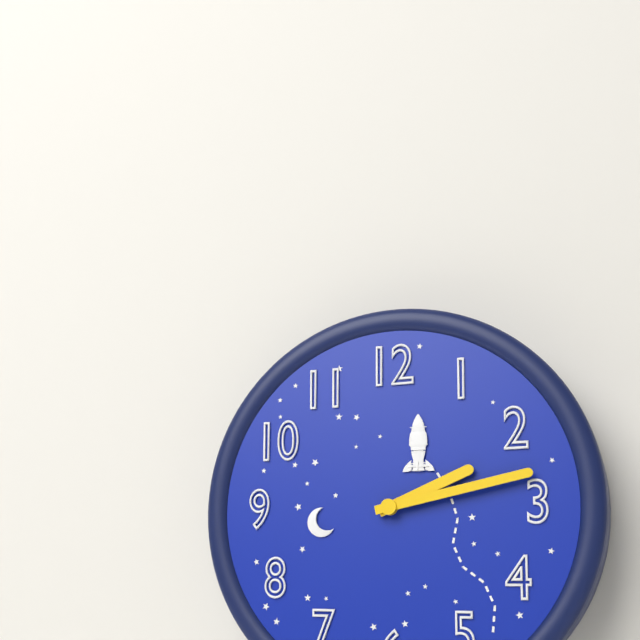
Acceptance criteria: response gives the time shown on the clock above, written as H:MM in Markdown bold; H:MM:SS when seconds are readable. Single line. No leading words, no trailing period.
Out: **2:13**
